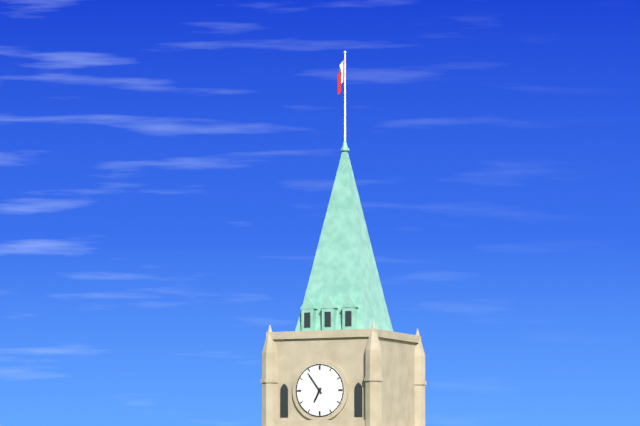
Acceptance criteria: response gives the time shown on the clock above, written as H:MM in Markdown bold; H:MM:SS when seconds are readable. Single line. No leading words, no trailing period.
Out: **6:54**
